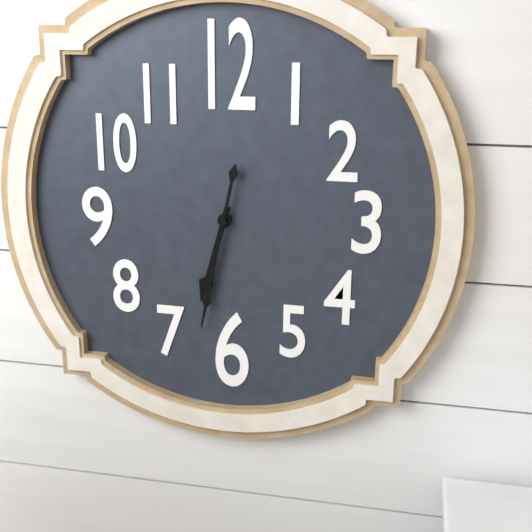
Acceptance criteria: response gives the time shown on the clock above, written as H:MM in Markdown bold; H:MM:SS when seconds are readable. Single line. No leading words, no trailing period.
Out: **6:32**
